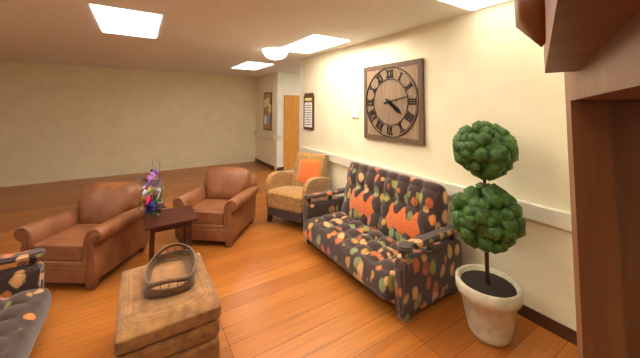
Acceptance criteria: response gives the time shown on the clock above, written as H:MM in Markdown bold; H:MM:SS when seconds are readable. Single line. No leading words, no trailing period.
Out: **4:13**
